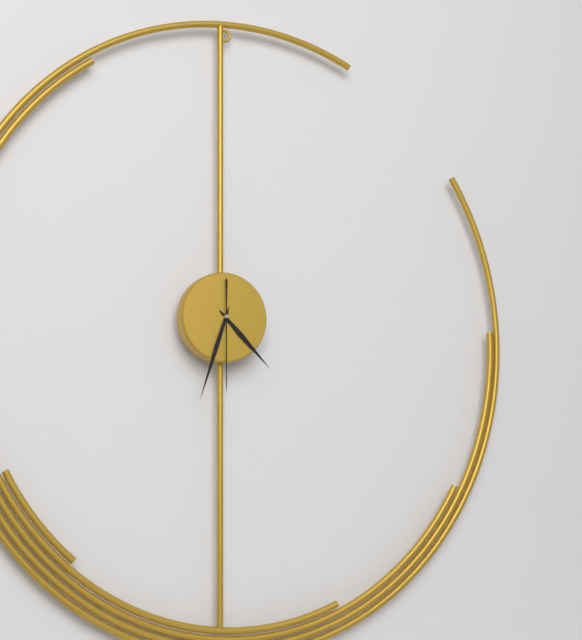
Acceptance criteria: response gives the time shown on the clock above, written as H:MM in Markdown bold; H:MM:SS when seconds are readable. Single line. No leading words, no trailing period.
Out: **4:33:30**
